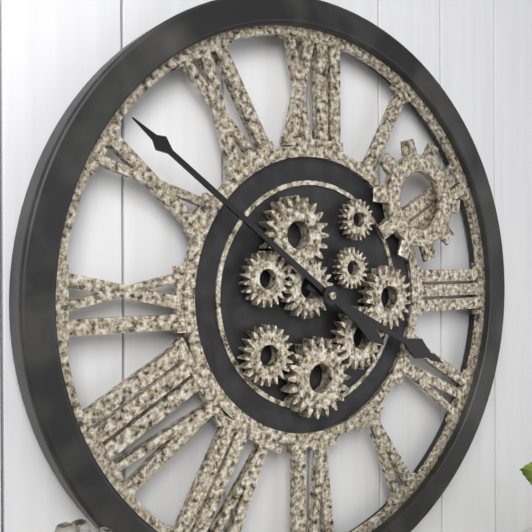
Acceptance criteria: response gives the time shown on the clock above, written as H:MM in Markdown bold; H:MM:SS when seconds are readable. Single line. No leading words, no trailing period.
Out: **3:51**
